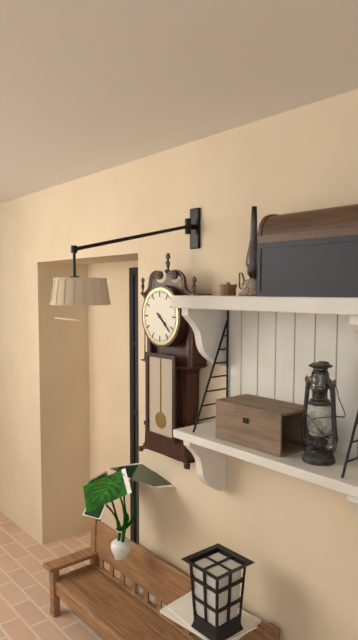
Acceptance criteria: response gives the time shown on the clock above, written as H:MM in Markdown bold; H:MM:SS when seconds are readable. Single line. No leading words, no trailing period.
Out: **4:22**
